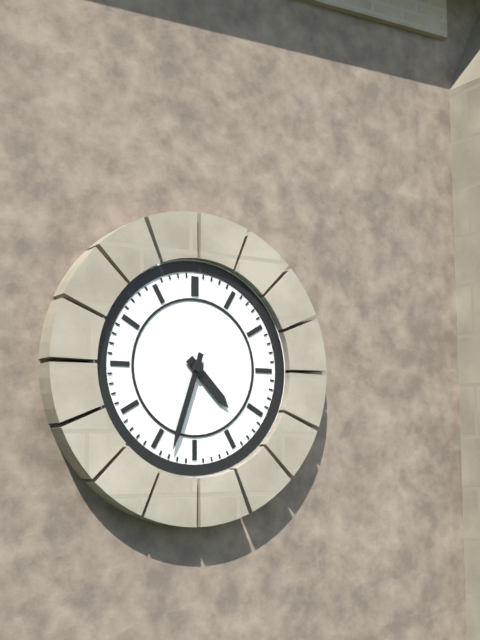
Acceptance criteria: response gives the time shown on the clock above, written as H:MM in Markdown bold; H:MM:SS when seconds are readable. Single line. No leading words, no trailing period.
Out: **4:33**
